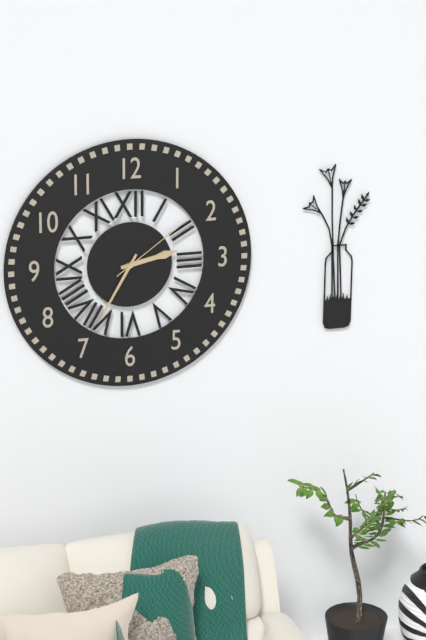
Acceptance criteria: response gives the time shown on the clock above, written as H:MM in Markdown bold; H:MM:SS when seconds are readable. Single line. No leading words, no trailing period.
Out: **2:35:09**
